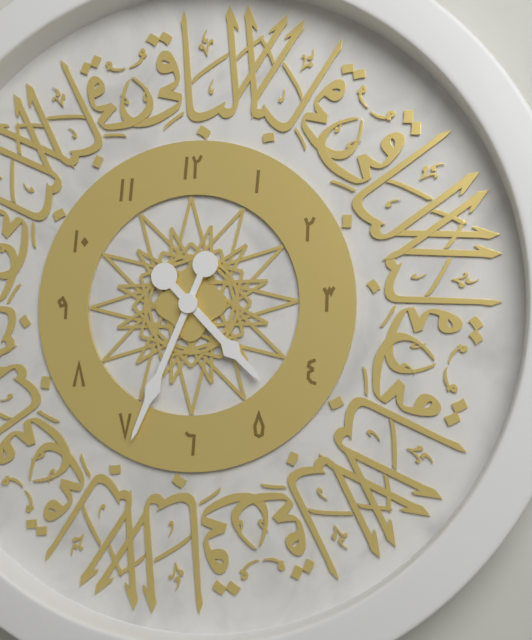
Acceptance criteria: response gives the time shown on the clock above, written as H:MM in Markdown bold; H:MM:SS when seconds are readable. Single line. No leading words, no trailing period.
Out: **4:34**
